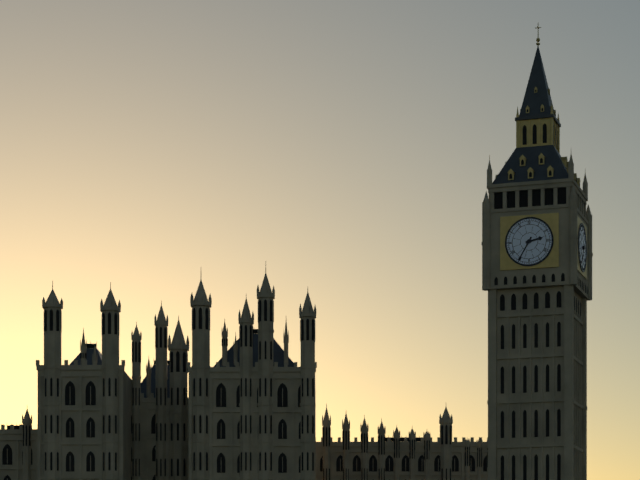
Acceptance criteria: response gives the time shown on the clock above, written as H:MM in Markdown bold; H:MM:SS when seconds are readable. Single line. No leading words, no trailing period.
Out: **2:35**
